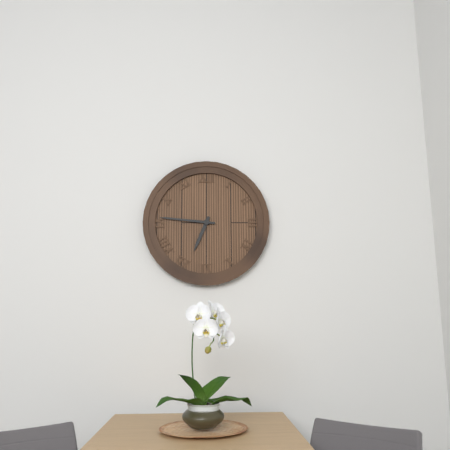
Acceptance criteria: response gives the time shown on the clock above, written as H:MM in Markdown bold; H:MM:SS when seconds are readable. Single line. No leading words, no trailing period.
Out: **6:46**
